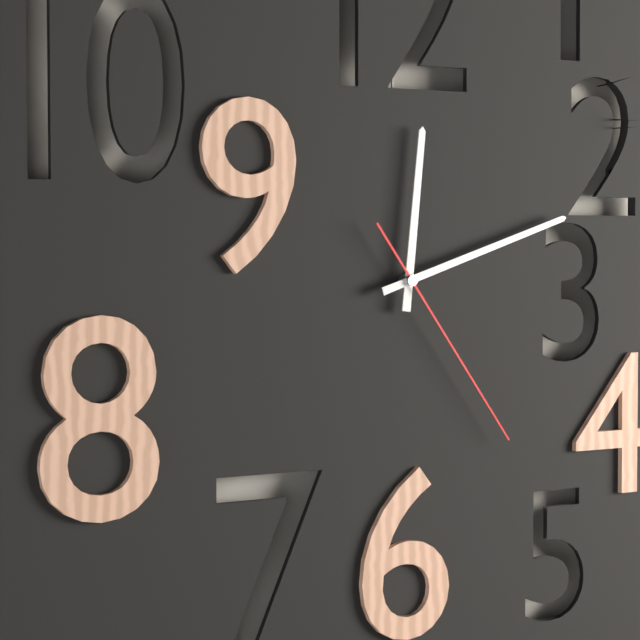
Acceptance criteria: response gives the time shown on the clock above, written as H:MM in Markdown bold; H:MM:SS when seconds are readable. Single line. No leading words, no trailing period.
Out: **12:12:24**
